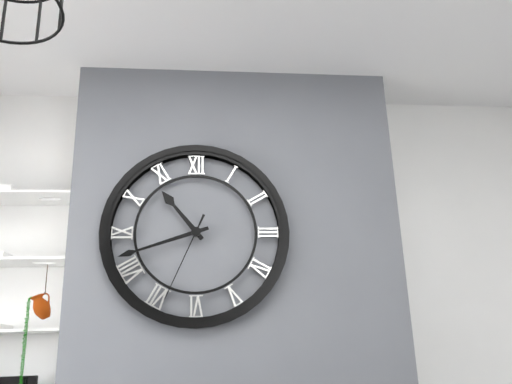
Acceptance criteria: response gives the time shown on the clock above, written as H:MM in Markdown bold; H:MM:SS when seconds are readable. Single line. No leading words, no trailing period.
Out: **10:42:34**
